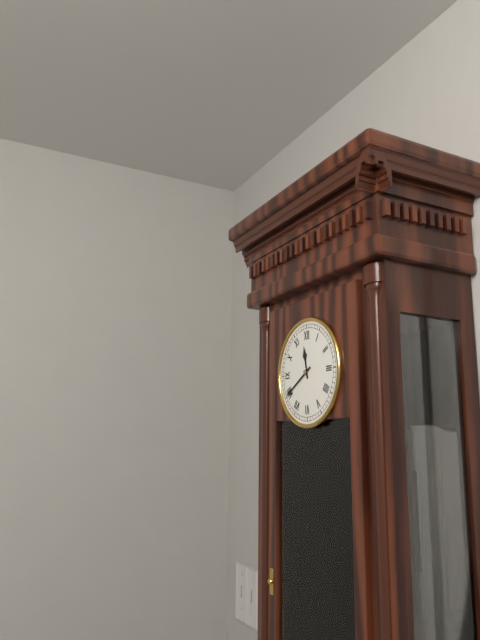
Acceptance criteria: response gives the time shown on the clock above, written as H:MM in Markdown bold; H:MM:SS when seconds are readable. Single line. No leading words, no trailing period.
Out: **11:40**
